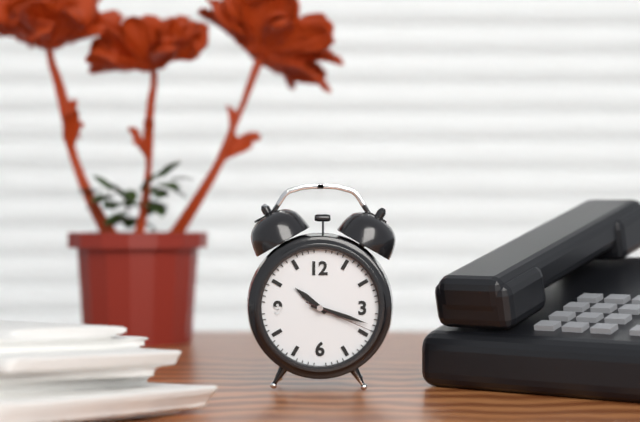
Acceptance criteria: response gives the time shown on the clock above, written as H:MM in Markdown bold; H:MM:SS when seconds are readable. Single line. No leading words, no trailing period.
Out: **10:18:19**
